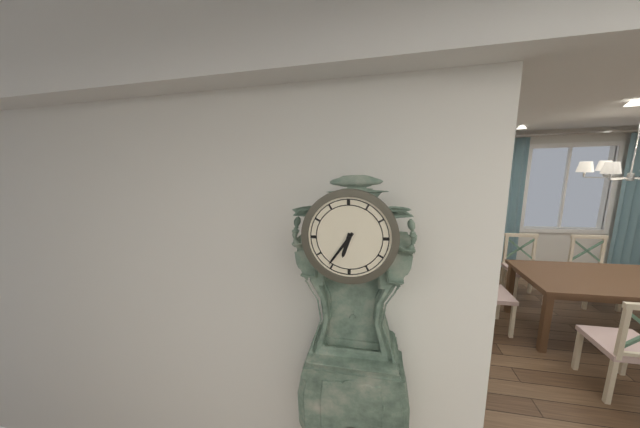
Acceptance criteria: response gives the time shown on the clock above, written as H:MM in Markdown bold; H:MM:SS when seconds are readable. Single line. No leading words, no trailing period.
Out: **6:36**
